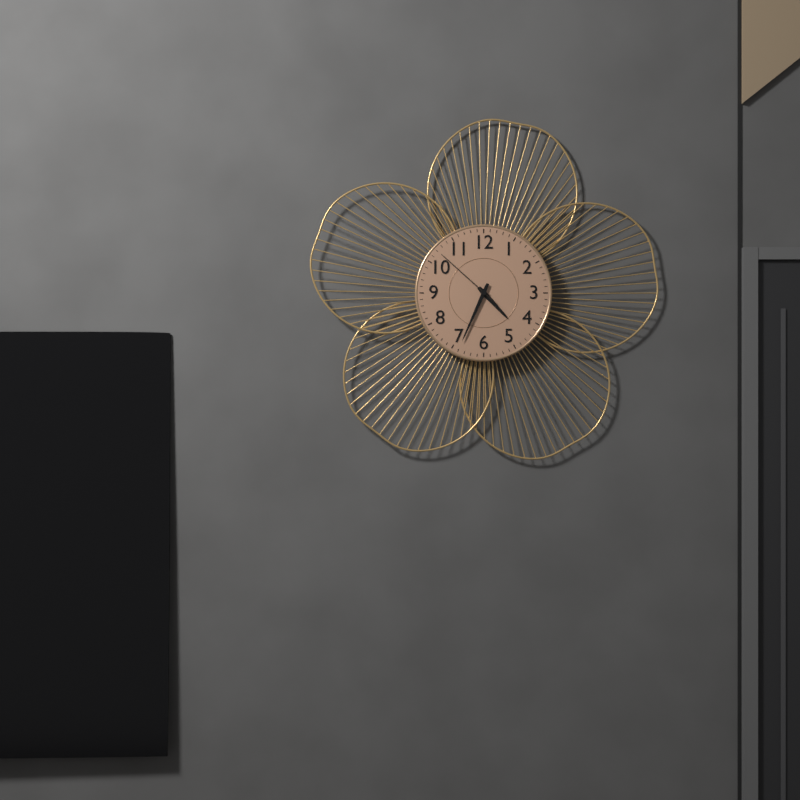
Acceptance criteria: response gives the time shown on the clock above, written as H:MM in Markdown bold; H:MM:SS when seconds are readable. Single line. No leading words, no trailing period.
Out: **4:34:52**
